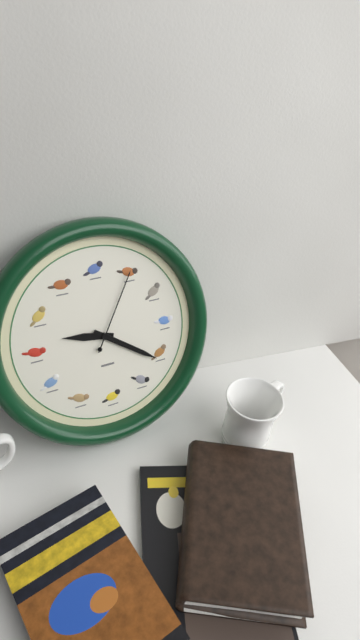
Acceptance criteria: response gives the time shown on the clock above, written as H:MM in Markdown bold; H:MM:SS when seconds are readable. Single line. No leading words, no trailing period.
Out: **9:21:05**
